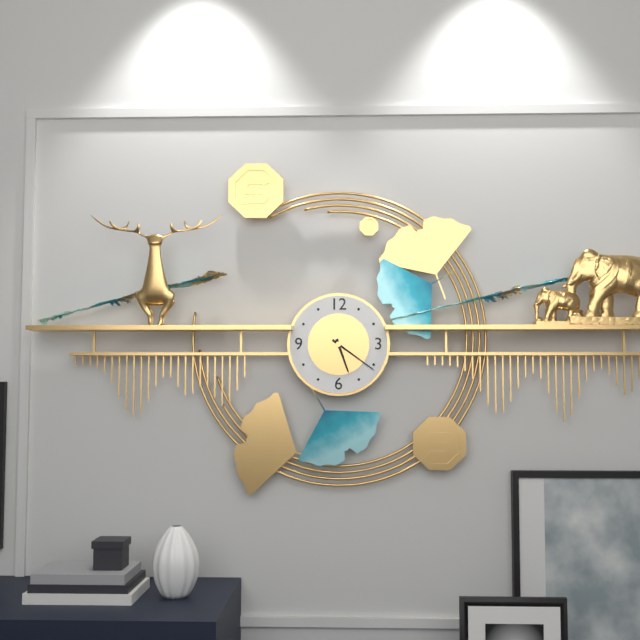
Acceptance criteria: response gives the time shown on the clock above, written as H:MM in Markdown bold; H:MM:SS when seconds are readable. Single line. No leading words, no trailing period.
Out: **5:21**
